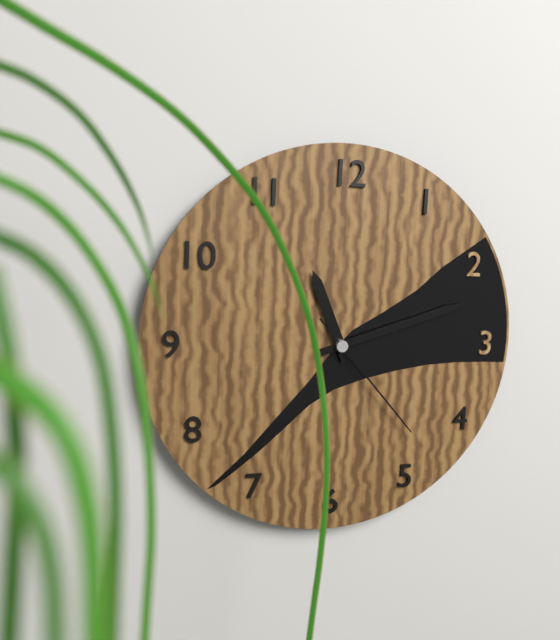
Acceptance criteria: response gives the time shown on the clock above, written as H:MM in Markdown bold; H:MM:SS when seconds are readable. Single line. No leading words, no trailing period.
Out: **11:12:23**
